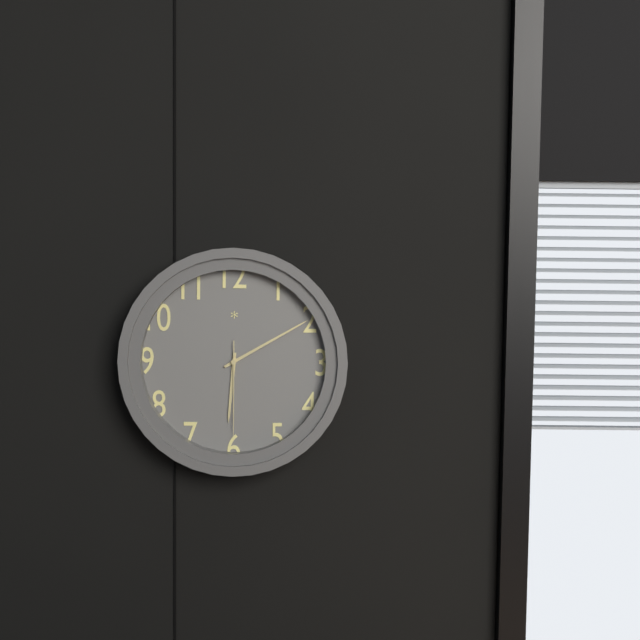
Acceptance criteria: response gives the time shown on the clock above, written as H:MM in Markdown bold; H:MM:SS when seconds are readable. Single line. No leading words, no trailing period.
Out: **6:10:30**
